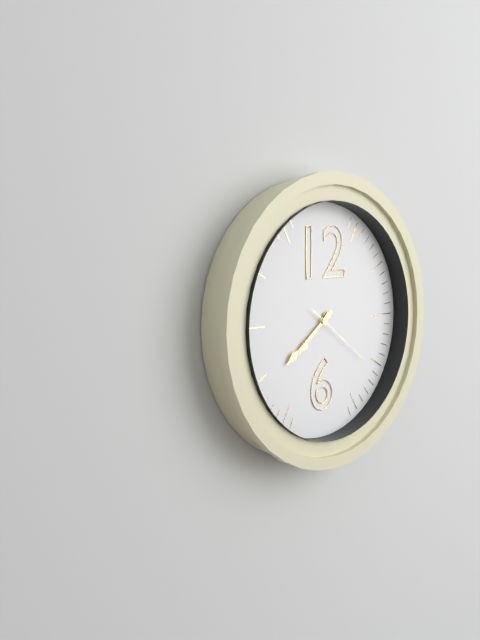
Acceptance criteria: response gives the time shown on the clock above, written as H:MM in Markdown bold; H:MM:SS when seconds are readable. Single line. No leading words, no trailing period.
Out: **7:39:21**
